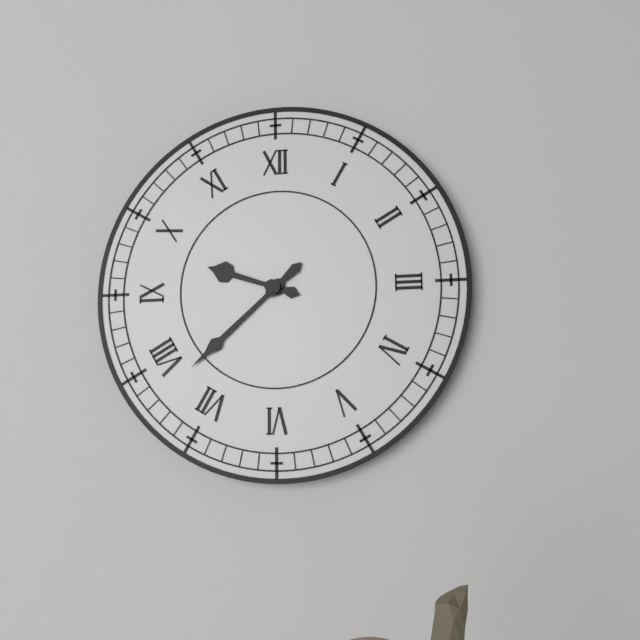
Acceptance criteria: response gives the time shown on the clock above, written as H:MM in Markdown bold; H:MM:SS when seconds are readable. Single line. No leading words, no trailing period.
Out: **9:38**
